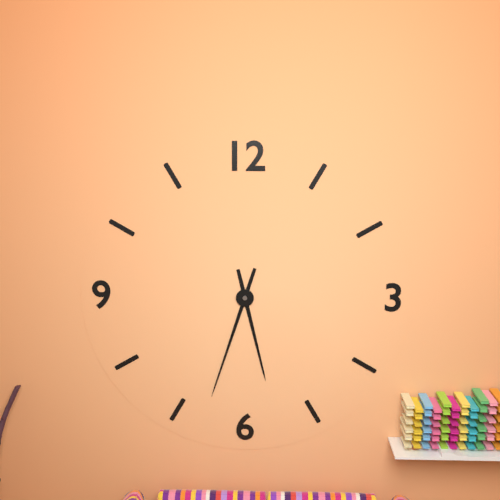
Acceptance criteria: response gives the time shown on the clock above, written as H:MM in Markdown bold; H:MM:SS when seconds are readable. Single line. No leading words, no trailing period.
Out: **5:33**
